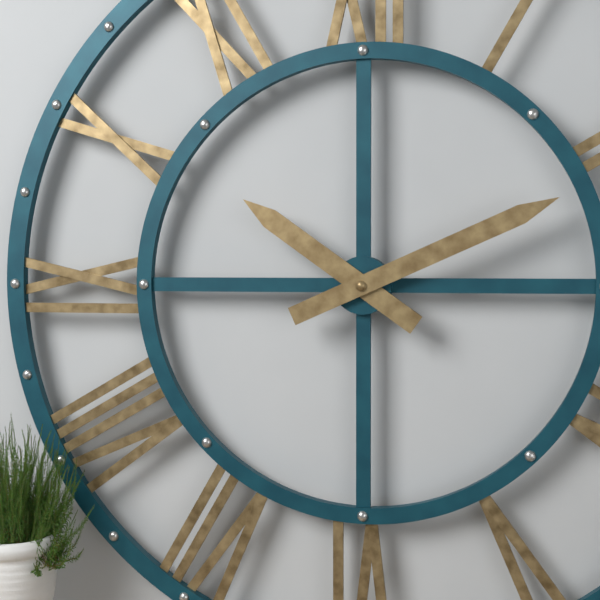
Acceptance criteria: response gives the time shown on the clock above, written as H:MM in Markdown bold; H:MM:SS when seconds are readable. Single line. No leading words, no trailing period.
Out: **10:11**
